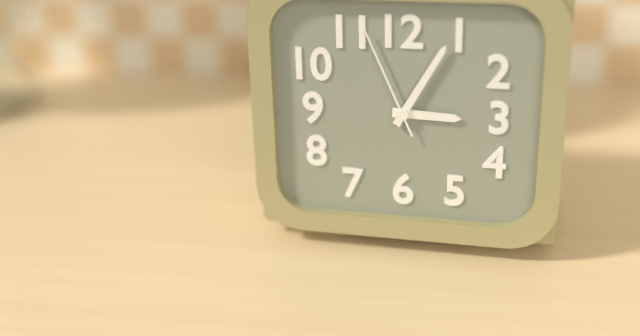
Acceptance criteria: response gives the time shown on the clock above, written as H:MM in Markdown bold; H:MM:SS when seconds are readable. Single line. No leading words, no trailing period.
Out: **3:05:56**
